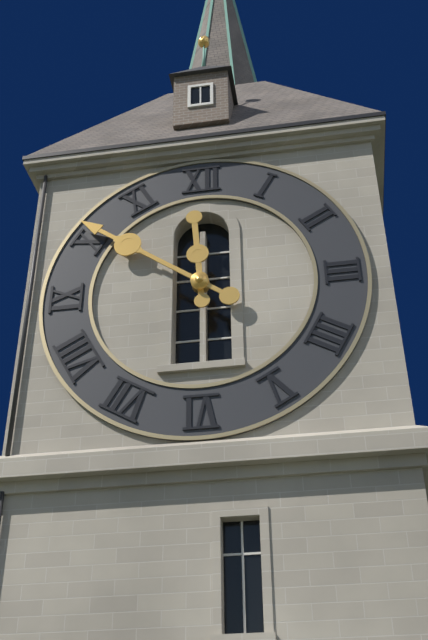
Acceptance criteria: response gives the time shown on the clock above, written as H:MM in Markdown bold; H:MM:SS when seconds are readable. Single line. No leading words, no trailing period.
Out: **11:51**
